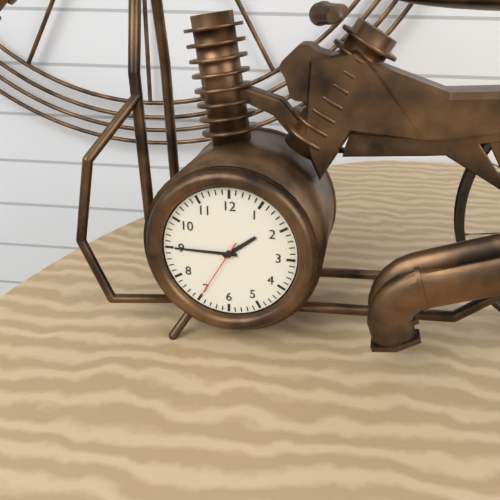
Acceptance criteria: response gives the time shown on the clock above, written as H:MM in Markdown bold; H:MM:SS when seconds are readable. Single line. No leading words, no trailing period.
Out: **1:45:35**
